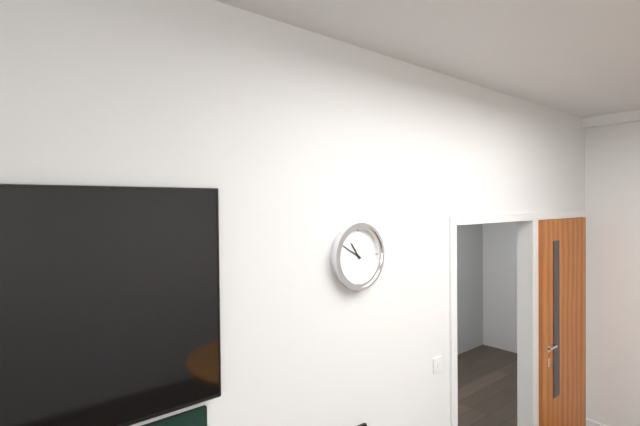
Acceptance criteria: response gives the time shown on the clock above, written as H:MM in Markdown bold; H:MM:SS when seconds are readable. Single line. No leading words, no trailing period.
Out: **10:50**
